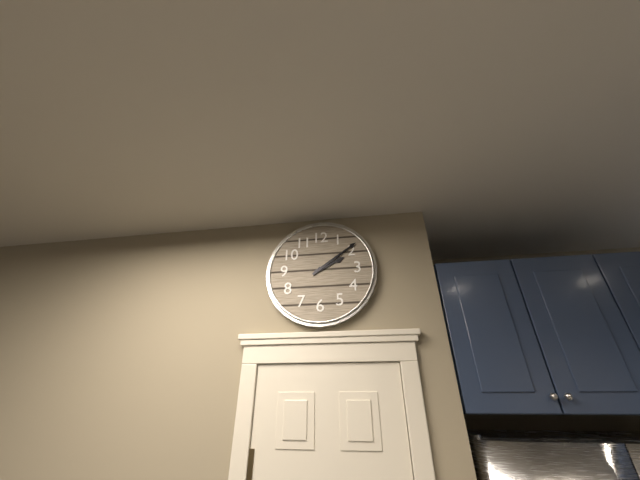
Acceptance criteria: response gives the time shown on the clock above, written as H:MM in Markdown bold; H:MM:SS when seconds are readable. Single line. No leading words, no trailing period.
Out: **2:09**
